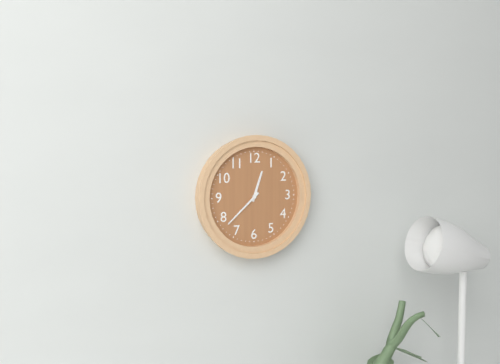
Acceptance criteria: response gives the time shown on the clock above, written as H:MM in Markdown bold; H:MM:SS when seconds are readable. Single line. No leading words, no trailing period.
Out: **12:38**
